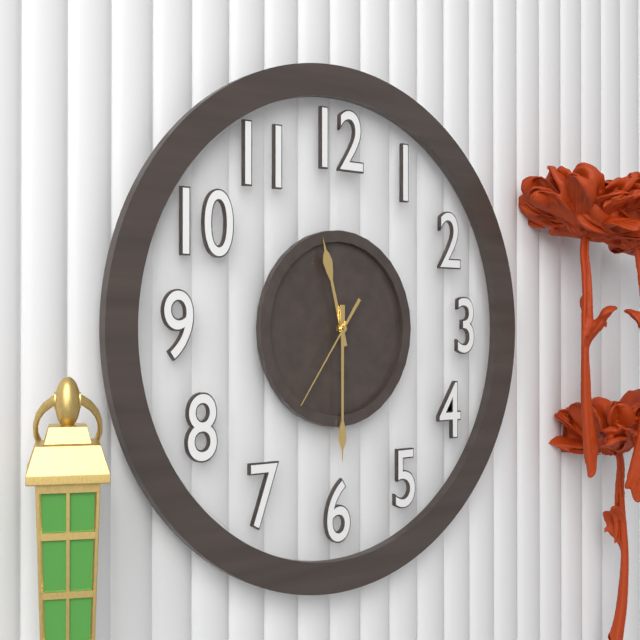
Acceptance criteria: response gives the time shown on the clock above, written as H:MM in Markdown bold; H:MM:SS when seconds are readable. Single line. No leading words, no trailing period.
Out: **11:30:36**
